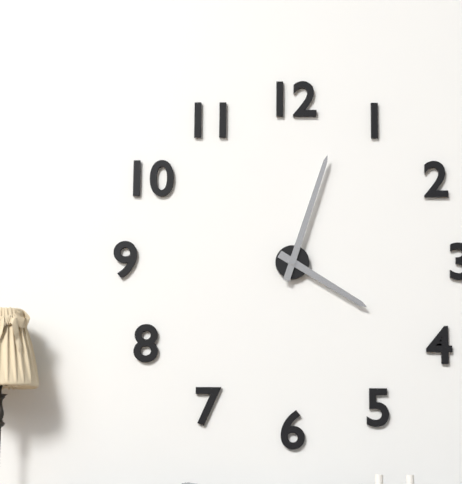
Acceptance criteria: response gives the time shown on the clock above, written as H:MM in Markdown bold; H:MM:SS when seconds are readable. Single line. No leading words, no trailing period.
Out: **4:03**
